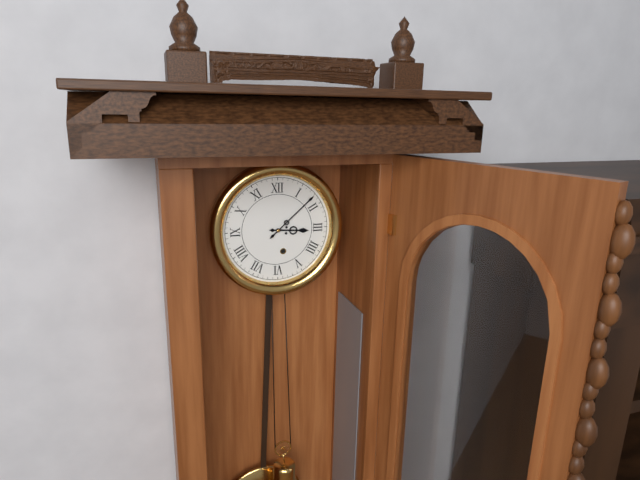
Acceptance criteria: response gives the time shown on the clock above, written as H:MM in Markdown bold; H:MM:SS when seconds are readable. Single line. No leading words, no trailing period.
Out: **3:08**
